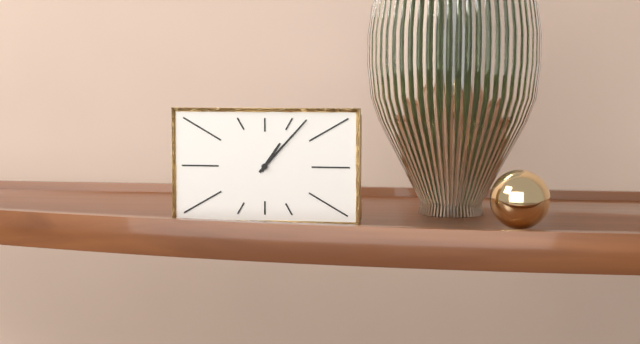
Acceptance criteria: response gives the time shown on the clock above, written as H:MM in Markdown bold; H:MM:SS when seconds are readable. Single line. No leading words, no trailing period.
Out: **1:07**
